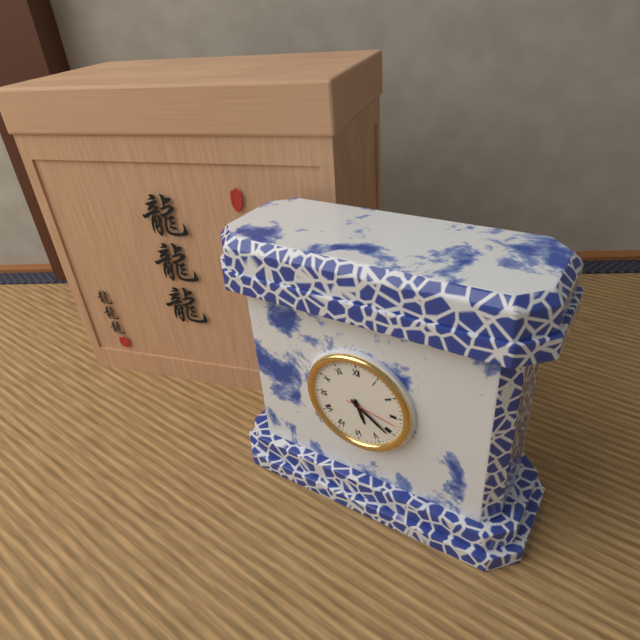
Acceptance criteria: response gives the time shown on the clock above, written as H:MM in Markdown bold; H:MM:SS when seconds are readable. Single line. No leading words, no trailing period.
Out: **5:21:17**
